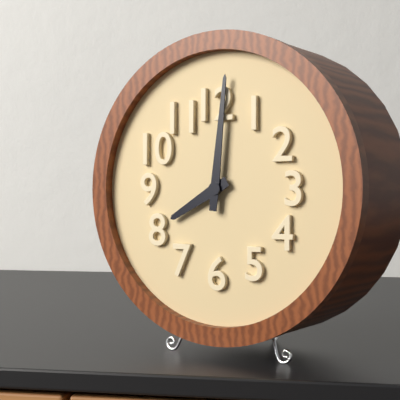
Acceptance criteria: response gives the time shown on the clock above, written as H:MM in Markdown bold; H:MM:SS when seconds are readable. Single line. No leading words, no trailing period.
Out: **8:01**
